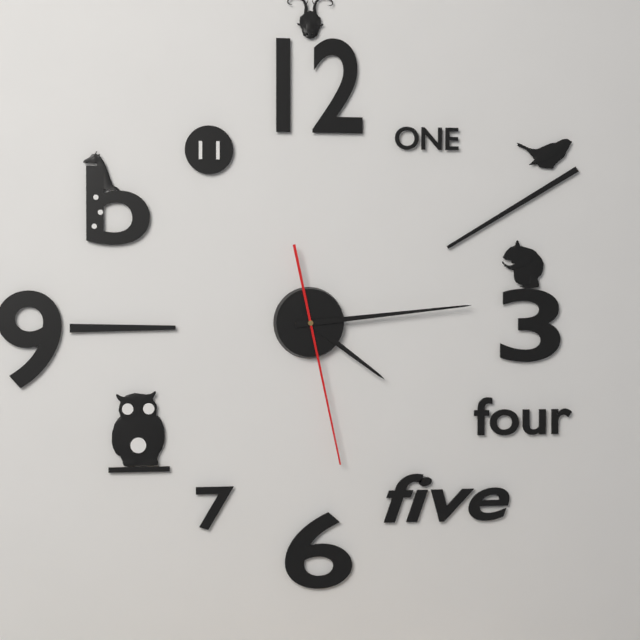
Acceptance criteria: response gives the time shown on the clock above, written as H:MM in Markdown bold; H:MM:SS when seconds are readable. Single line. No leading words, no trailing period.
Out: **4:14:28**
